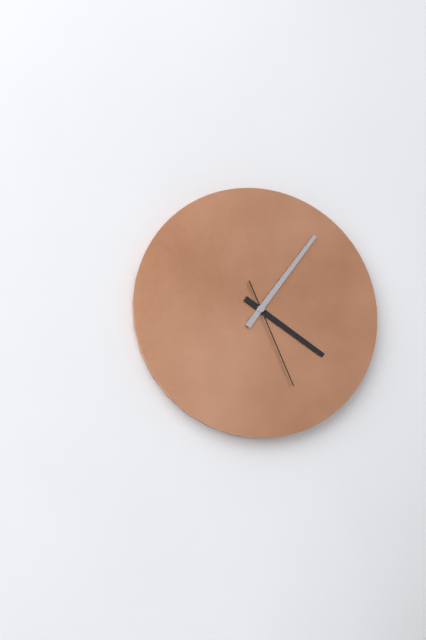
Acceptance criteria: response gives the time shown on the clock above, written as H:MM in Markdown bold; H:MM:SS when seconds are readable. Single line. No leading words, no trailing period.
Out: **4:06:26**
